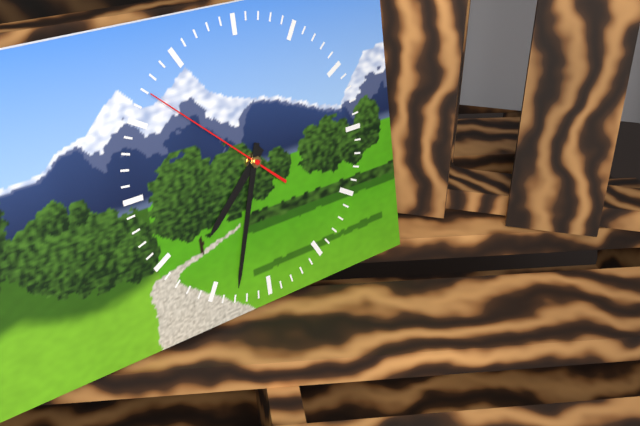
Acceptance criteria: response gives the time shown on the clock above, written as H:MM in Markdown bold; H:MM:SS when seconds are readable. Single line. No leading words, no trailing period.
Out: **7:33:52**
